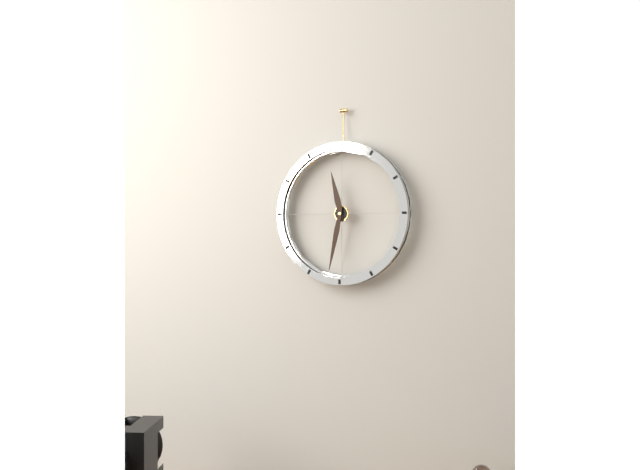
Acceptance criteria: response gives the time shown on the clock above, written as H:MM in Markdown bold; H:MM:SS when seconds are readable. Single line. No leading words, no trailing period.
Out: **11:32**
